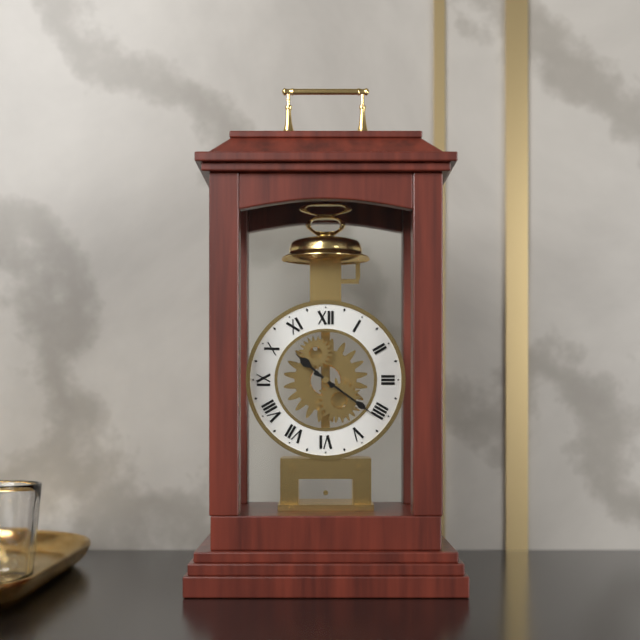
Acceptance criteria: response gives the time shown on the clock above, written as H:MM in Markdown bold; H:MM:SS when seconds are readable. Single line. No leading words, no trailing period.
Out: **10:21**
